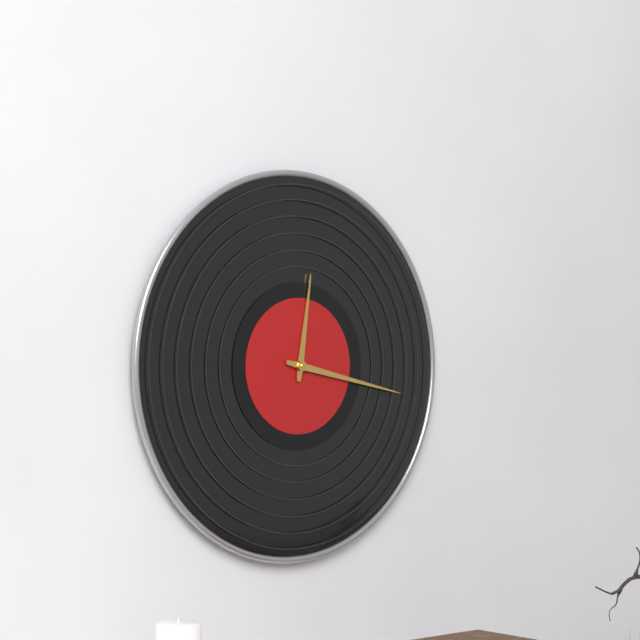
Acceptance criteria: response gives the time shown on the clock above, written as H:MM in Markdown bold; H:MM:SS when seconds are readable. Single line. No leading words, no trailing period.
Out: **12:17**
